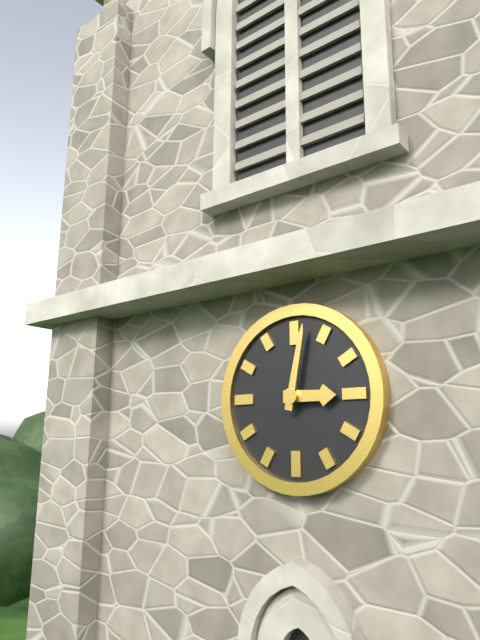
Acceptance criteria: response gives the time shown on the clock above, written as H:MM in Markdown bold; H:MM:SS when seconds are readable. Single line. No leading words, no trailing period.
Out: **3:02**
